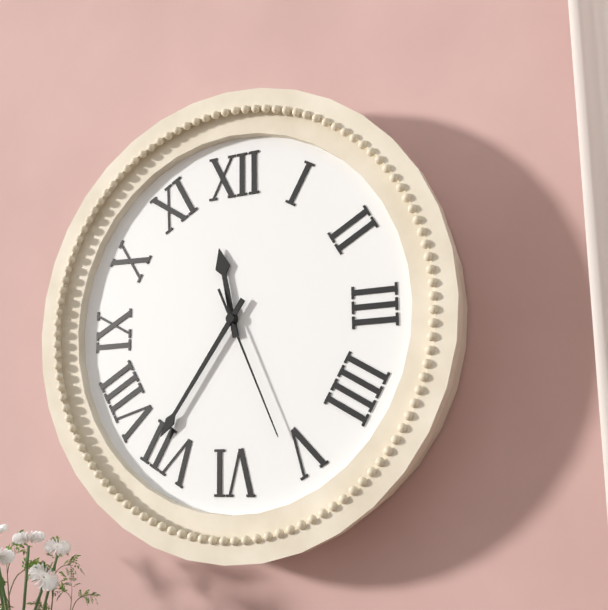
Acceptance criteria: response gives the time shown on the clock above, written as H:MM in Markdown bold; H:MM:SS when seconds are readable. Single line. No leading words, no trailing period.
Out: **11:36:26**
